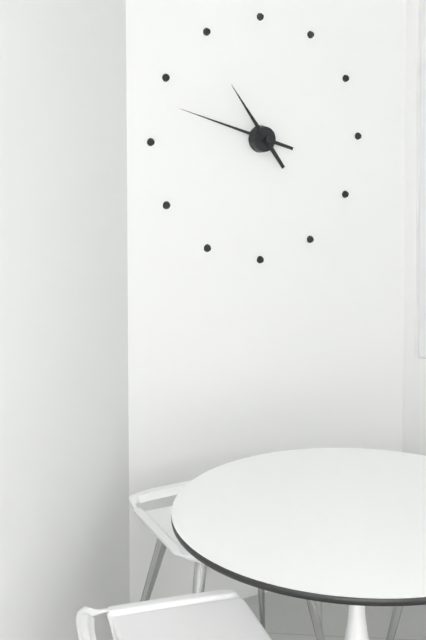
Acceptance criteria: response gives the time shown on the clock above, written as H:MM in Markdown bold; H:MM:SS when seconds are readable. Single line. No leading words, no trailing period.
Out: **10:48**
